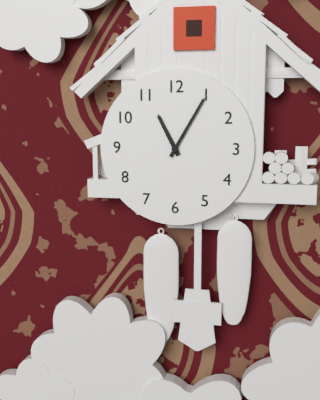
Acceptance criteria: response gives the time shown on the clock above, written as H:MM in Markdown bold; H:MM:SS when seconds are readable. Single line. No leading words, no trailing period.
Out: **11:05**
